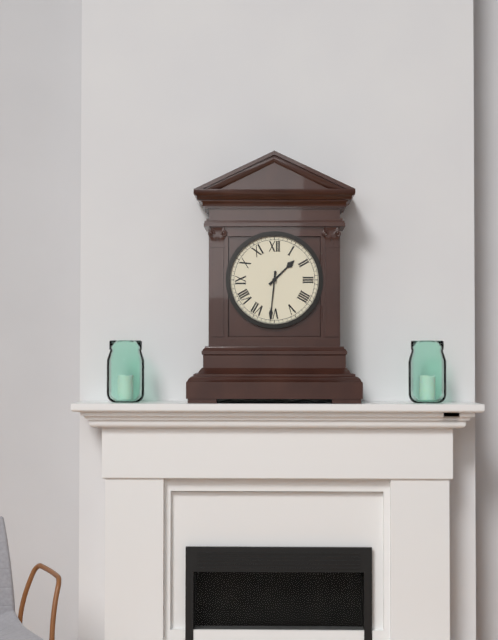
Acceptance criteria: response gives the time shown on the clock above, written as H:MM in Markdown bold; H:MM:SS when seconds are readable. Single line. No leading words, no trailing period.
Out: **1:31**
